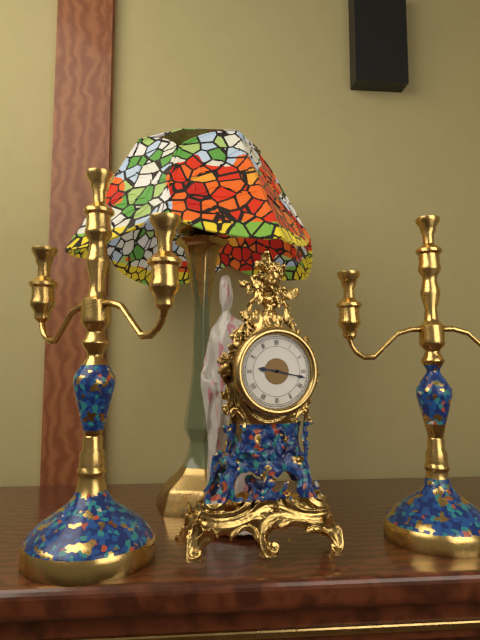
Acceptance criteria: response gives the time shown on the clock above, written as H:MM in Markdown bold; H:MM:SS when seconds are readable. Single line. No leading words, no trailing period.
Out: **9:17**
